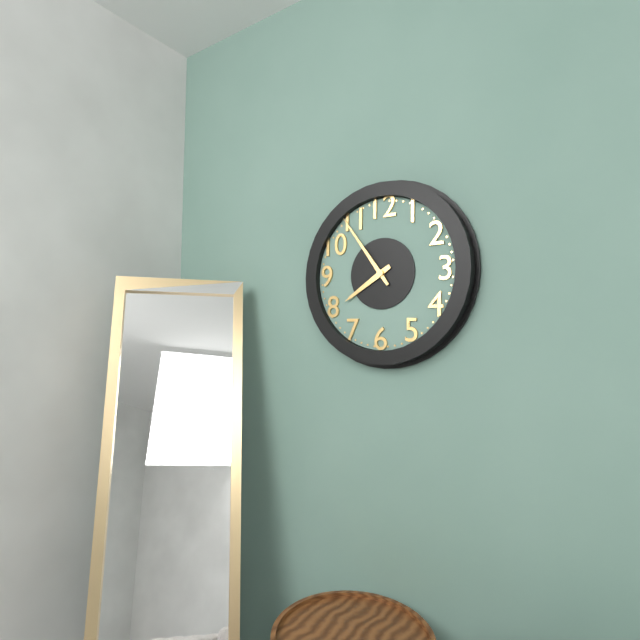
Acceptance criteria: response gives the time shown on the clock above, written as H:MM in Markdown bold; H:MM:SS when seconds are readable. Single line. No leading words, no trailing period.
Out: **7:54**
